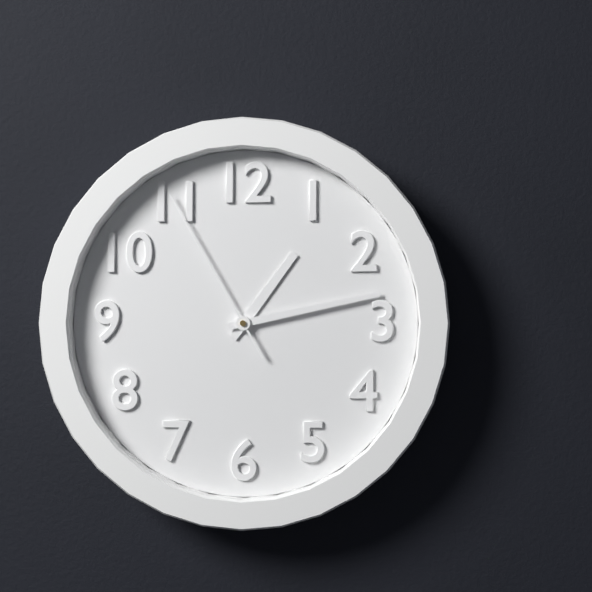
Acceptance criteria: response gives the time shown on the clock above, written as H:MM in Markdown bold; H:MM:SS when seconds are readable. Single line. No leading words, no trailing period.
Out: **1:13:55**
